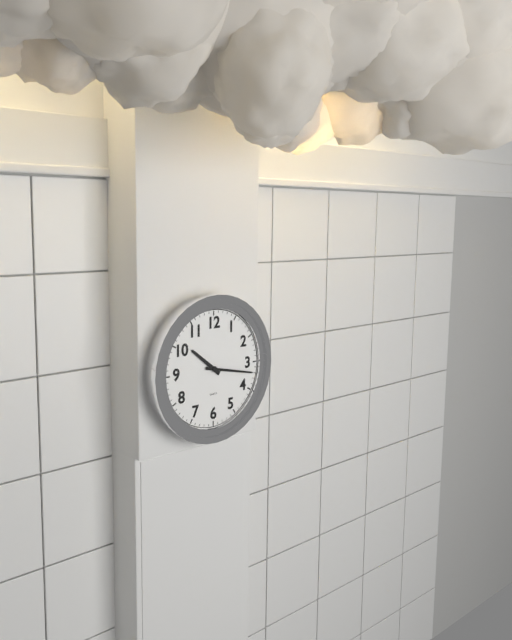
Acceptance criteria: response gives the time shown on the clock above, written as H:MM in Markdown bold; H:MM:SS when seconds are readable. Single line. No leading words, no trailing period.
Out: **10:17**
